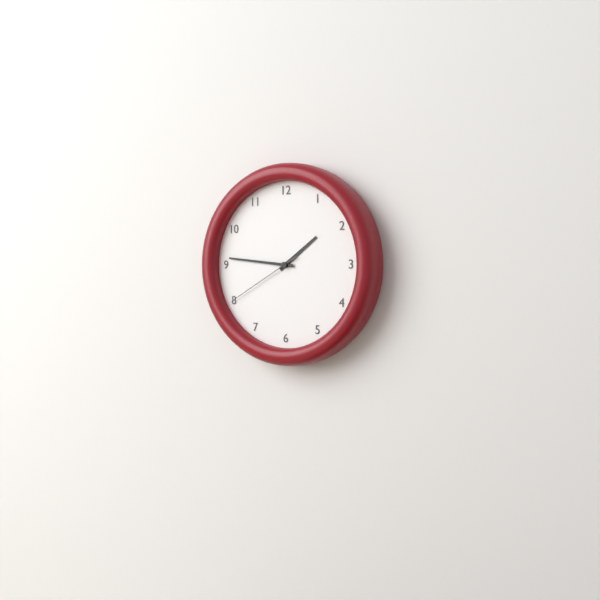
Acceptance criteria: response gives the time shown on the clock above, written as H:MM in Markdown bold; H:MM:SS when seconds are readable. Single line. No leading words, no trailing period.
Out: **1:46:40**
